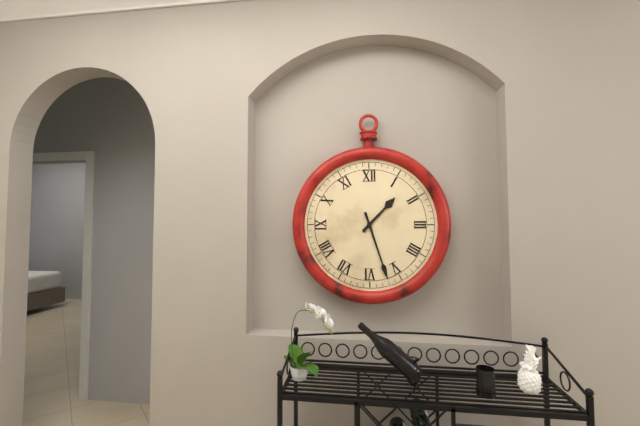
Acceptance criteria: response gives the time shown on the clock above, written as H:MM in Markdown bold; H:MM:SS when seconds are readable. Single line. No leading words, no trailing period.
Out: **1:27**
